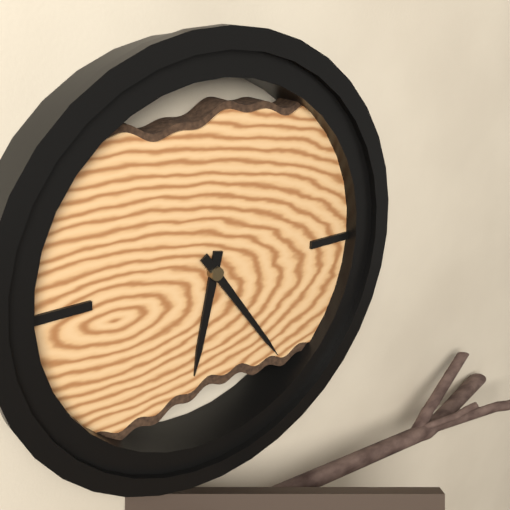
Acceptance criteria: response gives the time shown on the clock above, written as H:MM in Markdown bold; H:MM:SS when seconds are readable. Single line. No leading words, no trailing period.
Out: **6:24**
